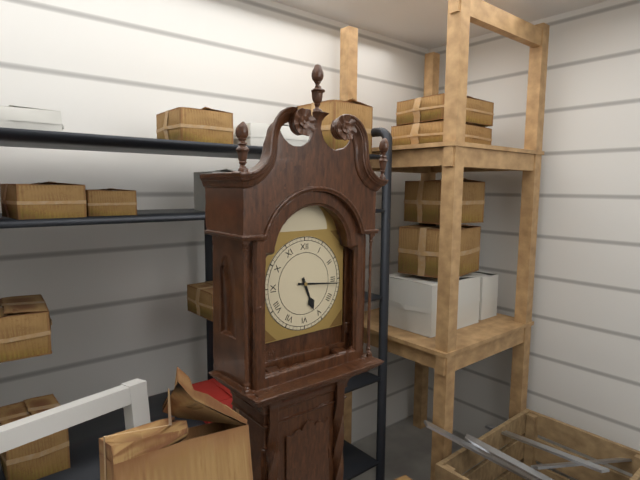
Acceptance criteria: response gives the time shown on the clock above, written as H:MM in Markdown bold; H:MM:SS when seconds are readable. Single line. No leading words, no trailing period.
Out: **5:16**
